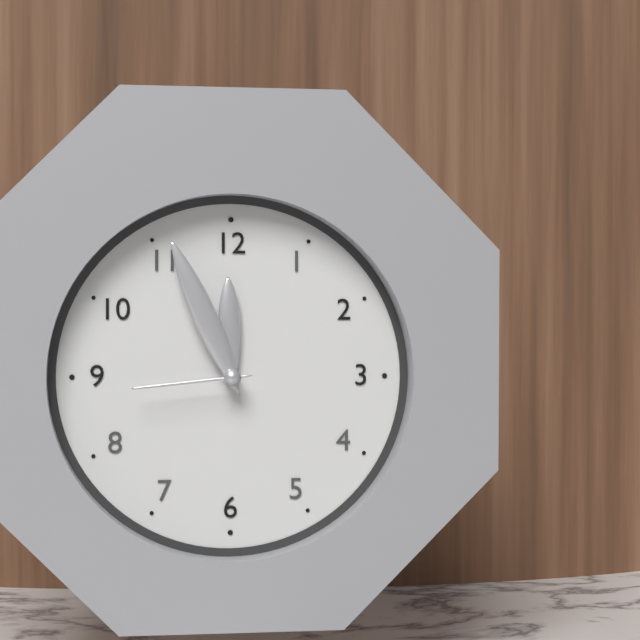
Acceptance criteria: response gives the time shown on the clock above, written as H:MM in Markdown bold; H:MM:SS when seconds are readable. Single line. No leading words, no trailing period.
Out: **11:56:44**
